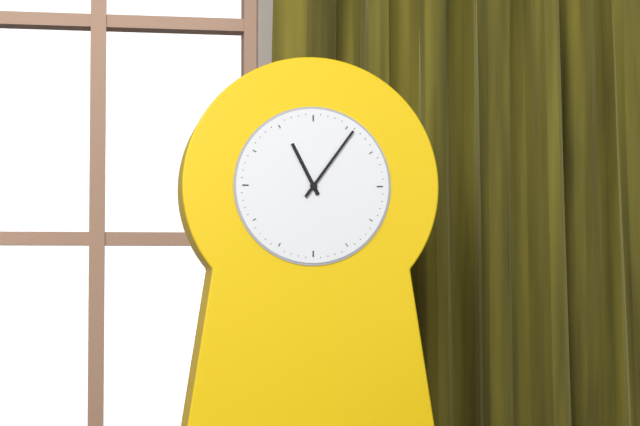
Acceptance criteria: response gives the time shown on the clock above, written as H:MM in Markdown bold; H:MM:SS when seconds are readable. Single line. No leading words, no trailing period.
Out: **11:06**
